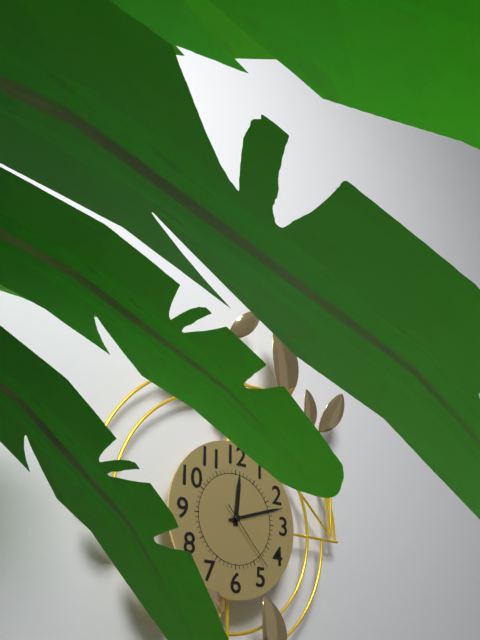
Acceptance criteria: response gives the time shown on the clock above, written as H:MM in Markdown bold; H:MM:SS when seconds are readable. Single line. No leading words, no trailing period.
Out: **12:12:23**
